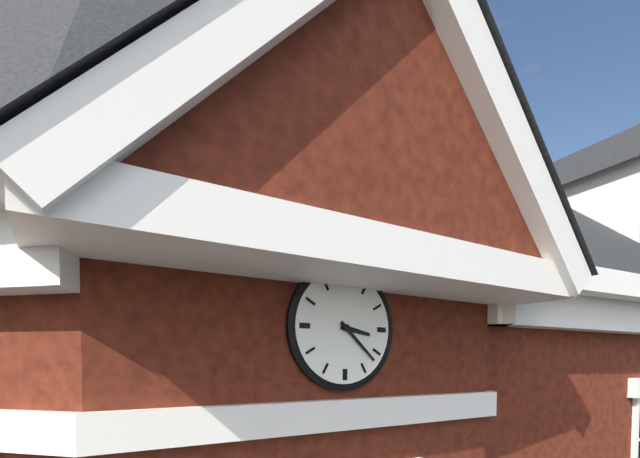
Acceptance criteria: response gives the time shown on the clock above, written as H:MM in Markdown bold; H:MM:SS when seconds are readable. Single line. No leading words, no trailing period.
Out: **3:22**
